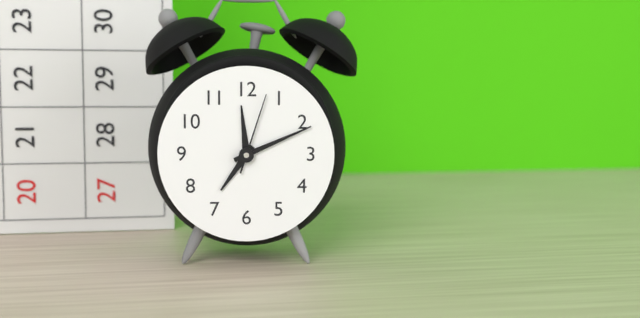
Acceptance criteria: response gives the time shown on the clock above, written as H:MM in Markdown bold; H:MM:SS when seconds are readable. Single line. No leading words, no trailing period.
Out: **7:11:03**
